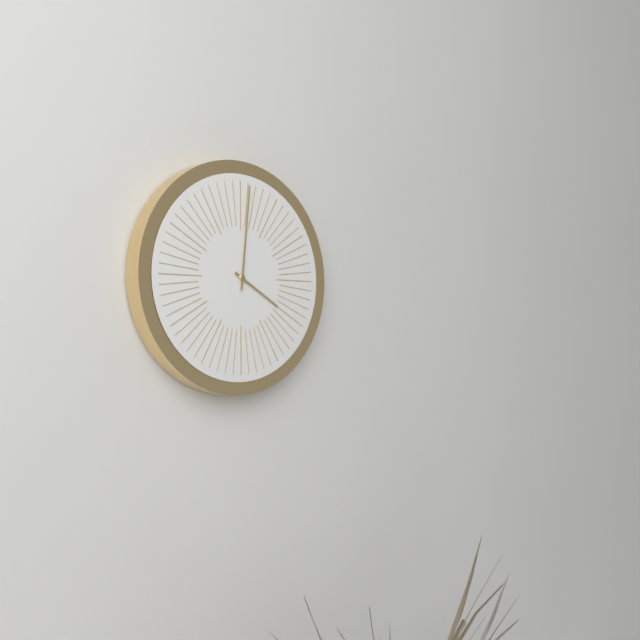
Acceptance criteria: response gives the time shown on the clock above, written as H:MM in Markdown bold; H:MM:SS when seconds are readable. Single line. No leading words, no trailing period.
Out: **4:01**
